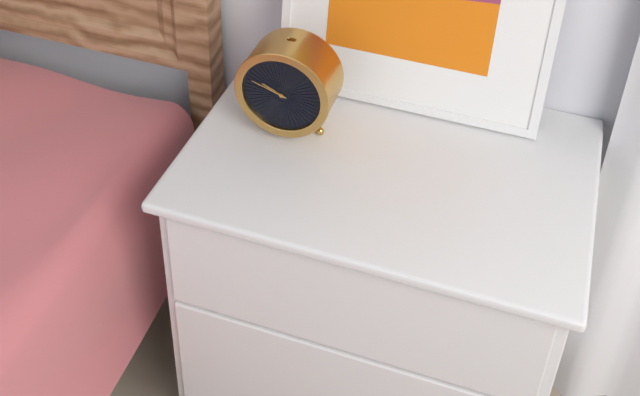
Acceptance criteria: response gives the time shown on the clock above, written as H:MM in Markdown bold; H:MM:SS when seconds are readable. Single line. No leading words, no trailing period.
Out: **9:48**
